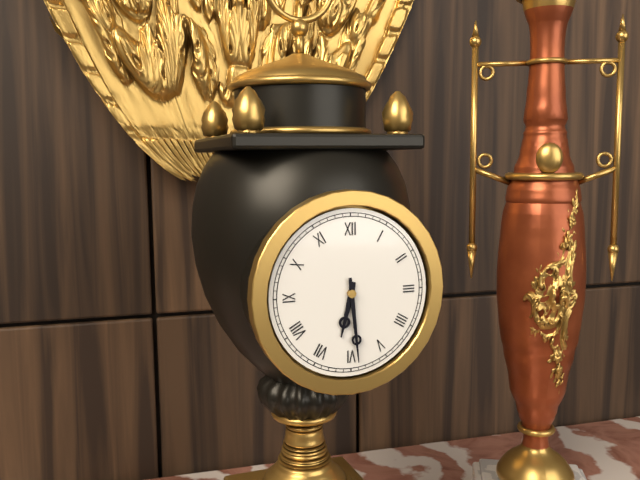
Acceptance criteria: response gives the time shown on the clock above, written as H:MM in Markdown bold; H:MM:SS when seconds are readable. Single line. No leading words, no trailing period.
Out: **6:29**
